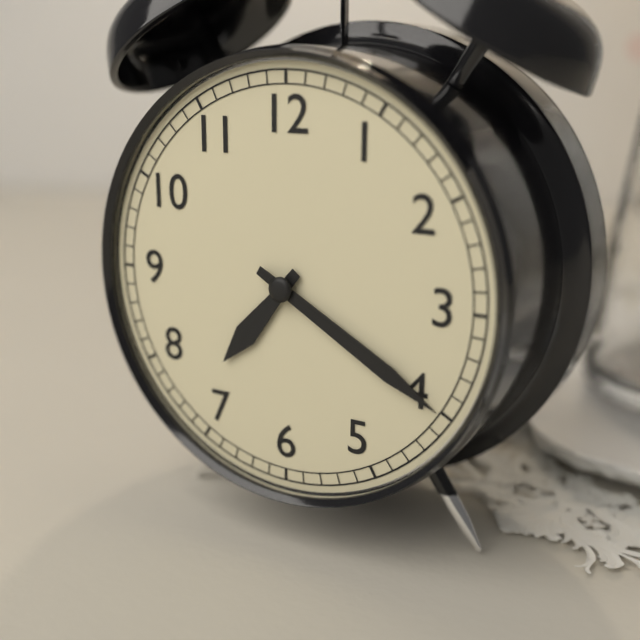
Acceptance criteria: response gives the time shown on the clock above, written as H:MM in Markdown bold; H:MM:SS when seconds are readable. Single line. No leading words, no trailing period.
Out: **7:20**
